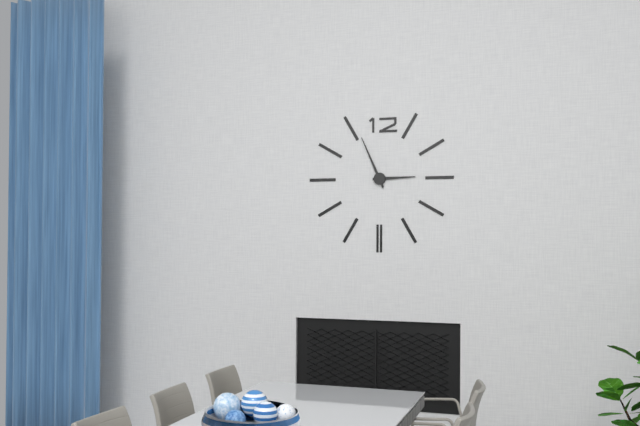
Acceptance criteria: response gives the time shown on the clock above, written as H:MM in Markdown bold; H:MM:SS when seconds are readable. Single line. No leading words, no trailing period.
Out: **2:56**
